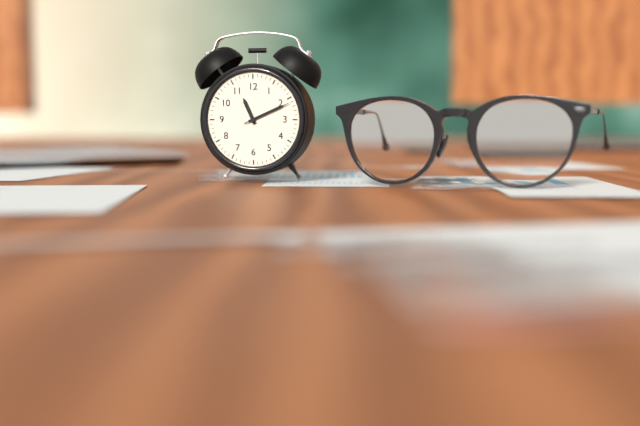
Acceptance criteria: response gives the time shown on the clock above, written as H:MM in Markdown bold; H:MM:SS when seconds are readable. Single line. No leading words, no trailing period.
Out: **11:11**
